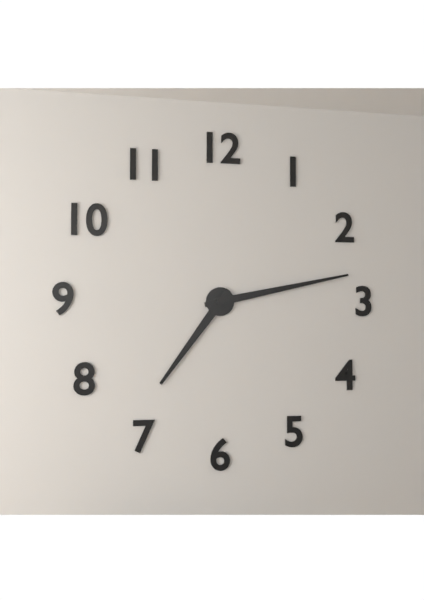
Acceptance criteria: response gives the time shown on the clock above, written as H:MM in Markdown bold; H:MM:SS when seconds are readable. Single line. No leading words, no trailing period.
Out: **7:13**
